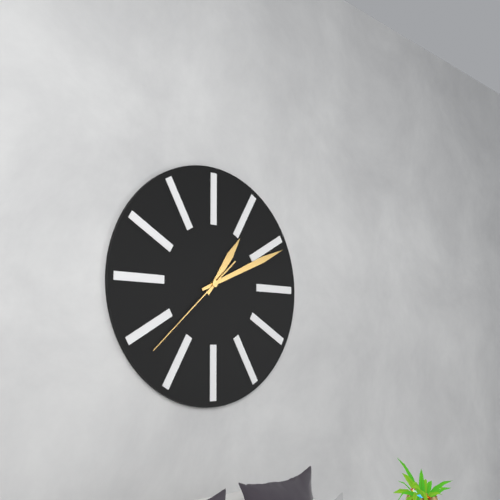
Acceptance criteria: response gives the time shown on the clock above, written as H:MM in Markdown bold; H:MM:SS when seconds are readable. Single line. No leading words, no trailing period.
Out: **1:11:38**
